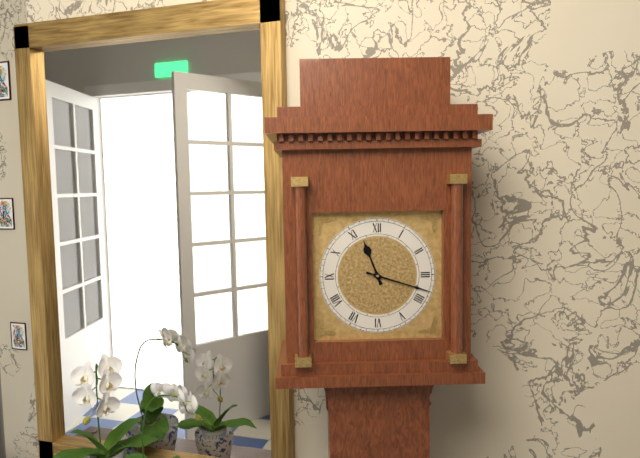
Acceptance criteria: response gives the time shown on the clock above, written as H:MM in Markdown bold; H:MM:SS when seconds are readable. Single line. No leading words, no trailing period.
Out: **11:18**
